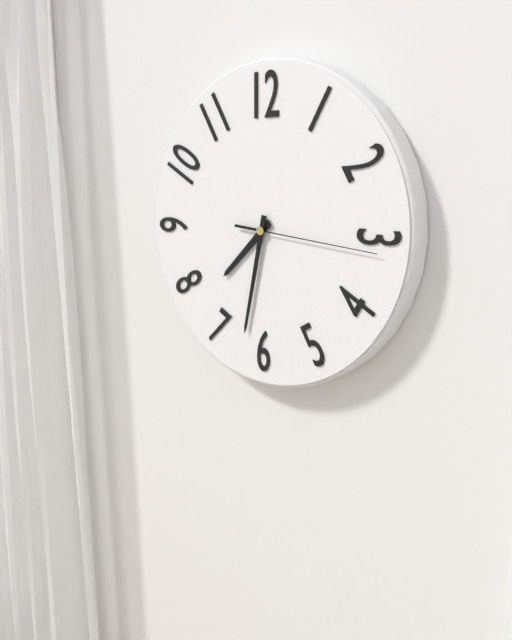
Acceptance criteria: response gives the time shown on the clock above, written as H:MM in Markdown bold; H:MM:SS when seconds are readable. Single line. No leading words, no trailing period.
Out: **7:32:16**
